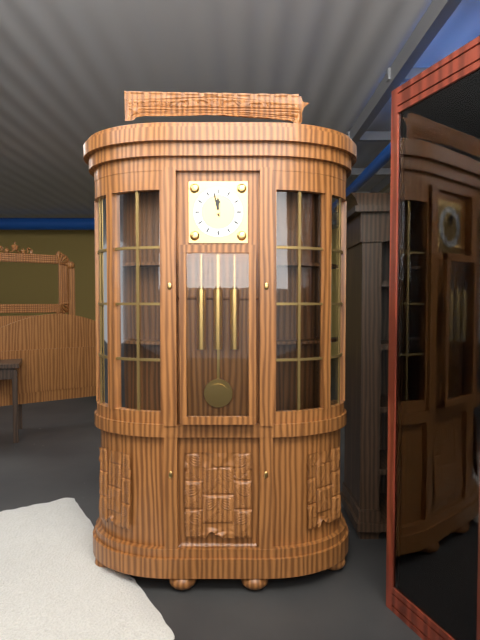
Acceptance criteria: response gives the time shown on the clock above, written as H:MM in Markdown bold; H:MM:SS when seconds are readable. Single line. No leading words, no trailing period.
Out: **11:58**
